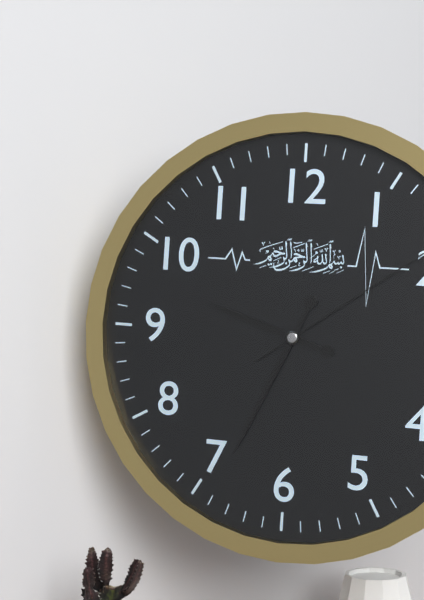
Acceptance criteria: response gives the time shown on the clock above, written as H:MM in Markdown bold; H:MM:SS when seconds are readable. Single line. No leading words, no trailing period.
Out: **9:34**
